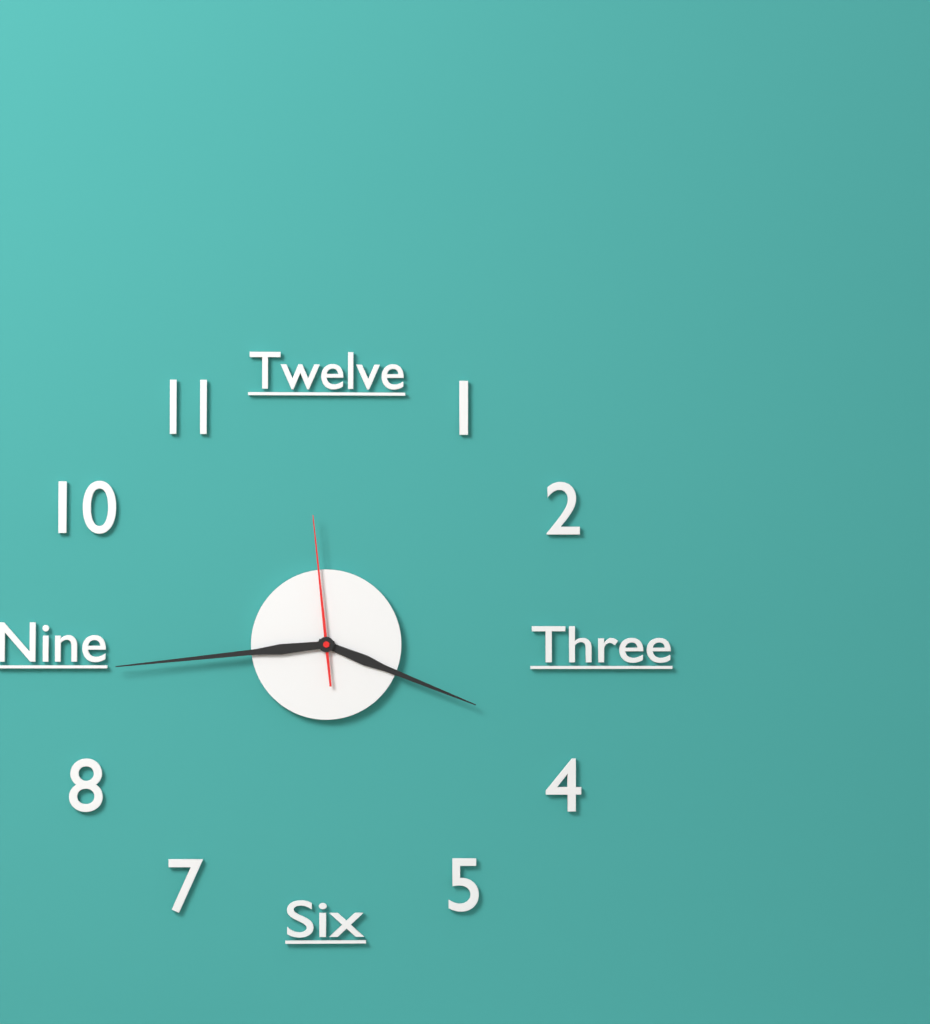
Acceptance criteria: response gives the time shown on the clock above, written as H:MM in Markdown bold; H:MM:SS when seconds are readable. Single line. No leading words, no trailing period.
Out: **3:44:59**
